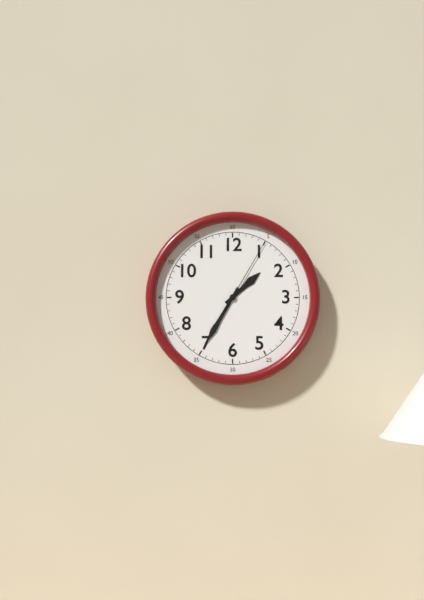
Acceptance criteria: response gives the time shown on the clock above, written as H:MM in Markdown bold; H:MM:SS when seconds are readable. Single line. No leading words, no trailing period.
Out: **1:35:05**
